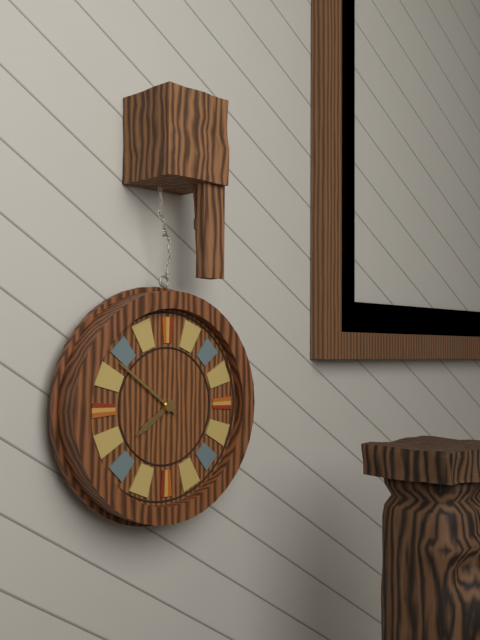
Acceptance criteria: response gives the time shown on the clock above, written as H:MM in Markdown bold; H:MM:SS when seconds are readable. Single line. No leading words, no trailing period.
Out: **7:51**
